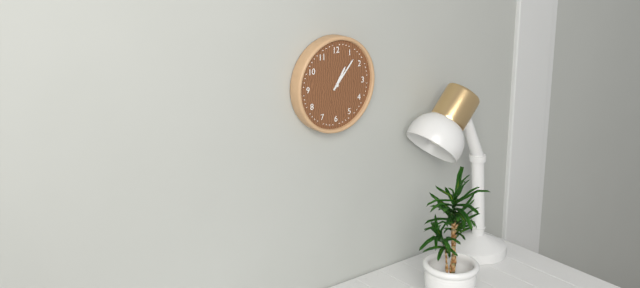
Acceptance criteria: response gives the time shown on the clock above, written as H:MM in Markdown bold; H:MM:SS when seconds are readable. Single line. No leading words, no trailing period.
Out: **1:07**
